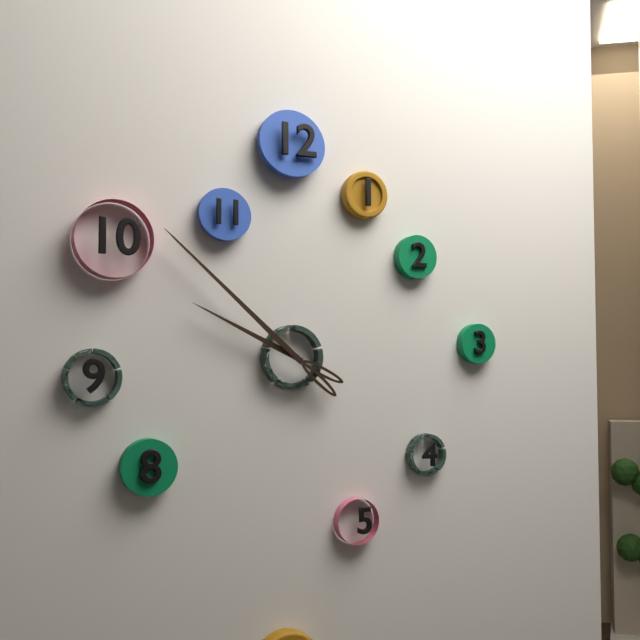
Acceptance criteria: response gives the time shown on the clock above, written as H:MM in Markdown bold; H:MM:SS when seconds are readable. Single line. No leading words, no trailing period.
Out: **9:52**
